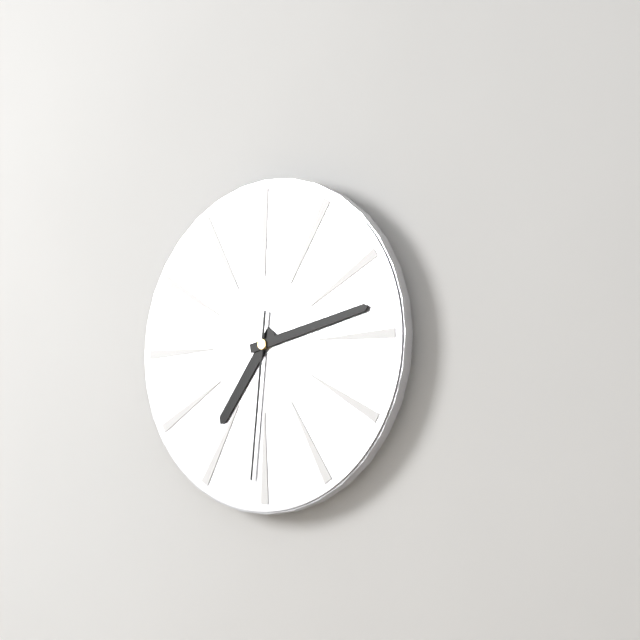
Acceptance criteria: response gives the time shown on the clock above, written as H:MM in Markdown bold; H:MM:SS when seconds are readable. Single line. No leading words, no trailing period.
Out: **7:13:31**
